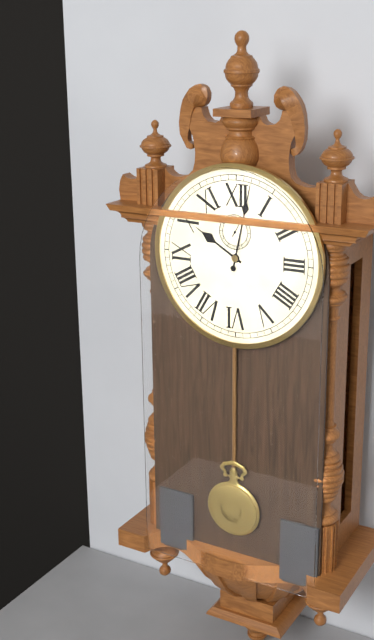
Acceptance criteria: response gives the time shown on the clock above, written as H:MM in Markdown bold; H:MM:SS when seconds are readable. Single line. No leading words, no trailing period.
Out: **10:02**
